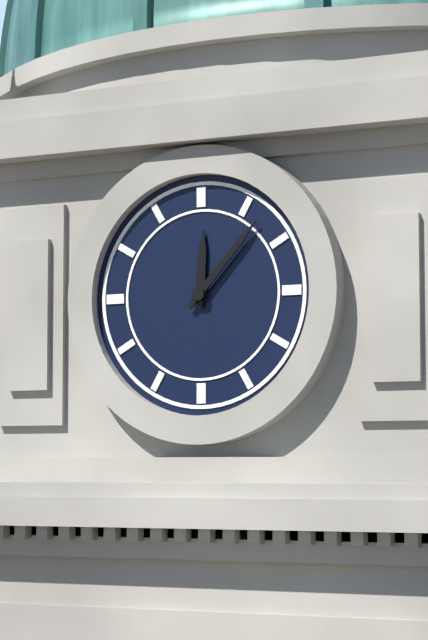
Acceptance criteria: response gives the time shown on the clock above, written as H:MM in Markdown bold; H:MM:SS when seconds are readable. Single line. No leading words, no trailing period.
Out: **12:07**
